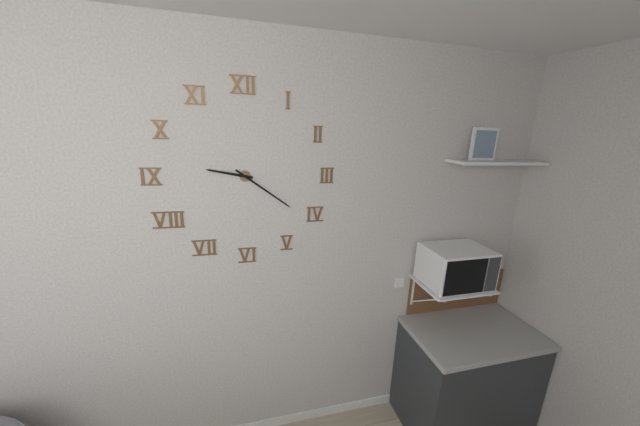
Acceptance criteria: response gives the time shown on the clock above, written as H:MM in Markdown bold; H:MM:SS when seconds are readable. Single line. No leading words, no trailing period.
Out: **9:21**
